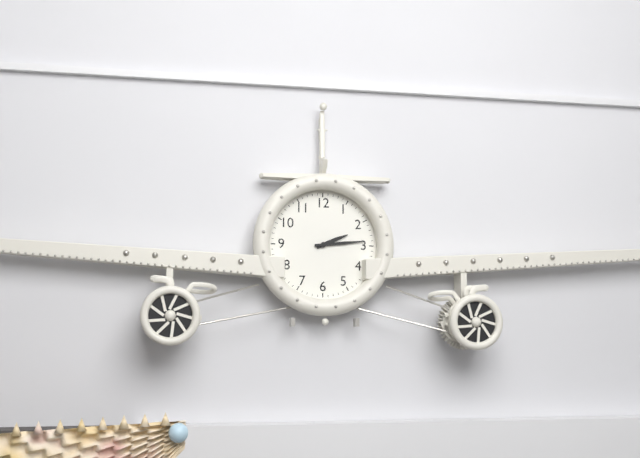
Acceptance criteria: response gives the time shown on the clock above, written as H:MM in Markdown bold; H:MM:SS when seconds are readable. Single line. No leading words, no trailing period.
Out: **2:14**
